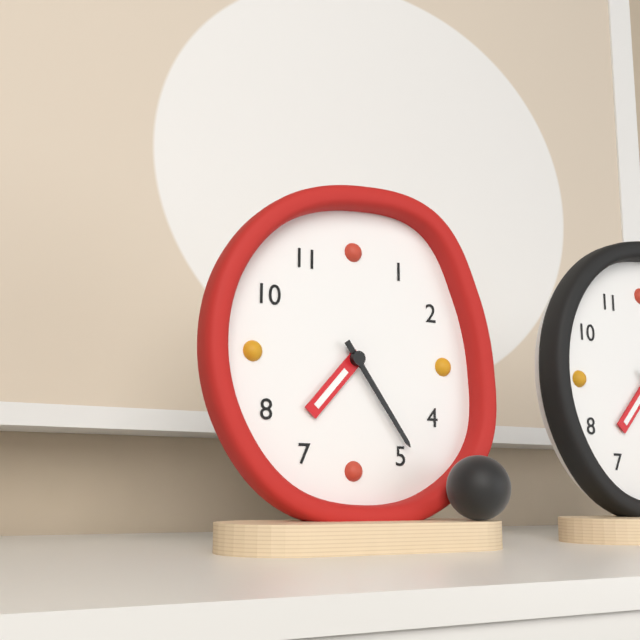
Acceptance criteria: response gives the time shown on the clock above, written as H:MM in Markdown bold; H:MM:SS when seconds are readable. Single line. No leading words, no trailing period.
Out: **7:24**
